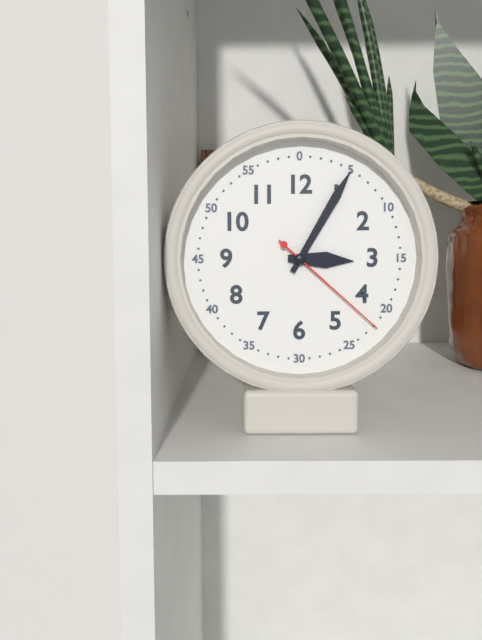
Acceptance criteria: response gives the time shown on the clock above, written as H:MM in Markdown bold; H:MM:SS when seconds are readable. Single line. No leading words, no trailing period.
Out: **3:05:22**
